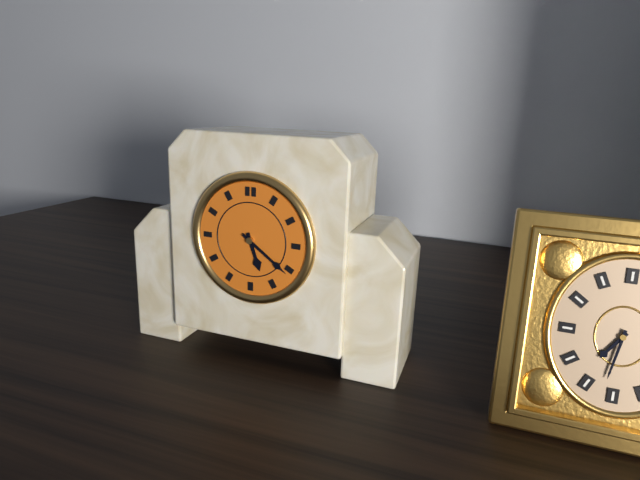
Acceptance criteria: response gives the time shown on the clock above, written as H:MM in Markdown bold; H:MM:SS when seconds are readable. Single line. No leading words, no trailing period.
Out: **5:21**
